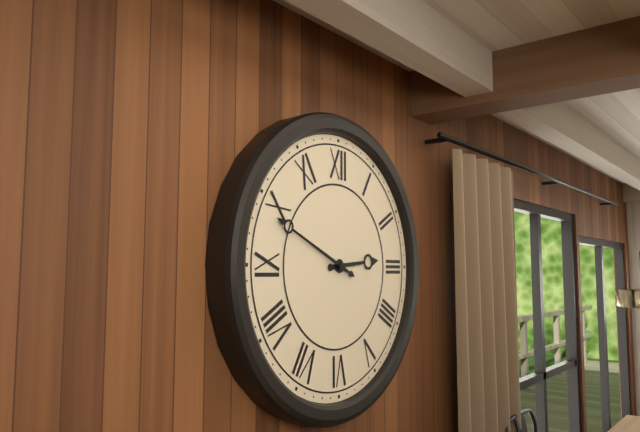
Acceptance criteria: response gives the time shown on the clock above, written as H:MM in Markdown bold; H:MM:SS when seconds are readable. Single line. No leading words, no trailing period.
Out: **2:49**
